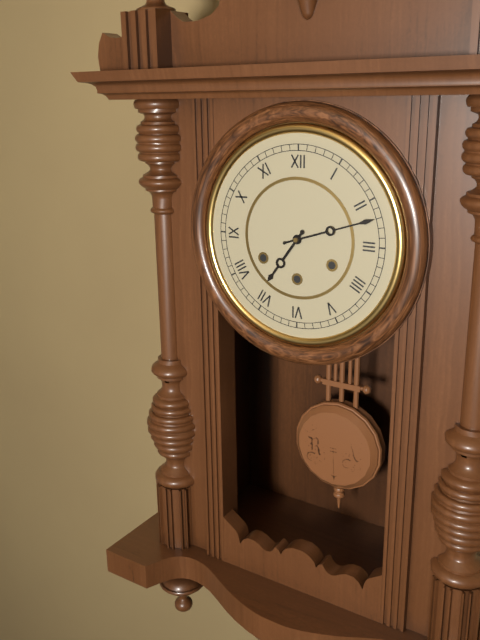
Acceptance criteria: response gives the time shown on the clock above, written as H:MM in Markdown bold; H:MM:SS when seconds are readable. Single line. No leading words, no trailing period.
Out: **7:12**
